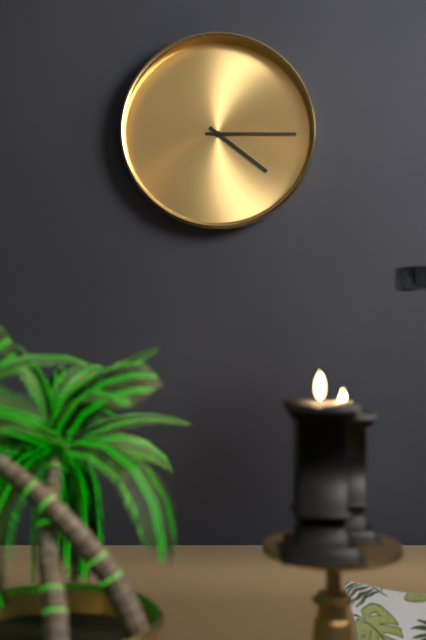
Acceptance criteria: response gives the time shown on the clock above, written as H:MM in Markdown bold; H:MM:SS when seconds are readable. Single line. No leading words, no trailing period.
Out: **4:15**
